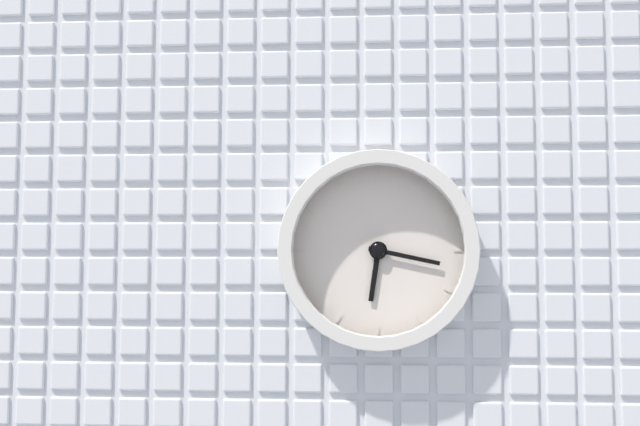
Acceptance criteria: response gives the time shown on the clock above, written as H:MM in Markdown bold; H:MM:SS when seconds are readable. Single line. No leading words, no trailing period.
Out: **6:17**
